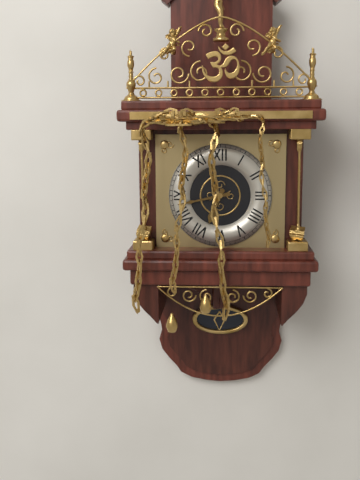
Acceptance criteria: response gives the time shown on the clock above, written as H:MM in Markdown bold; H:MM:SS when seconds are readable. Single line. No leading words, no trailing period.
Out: **6:43**
